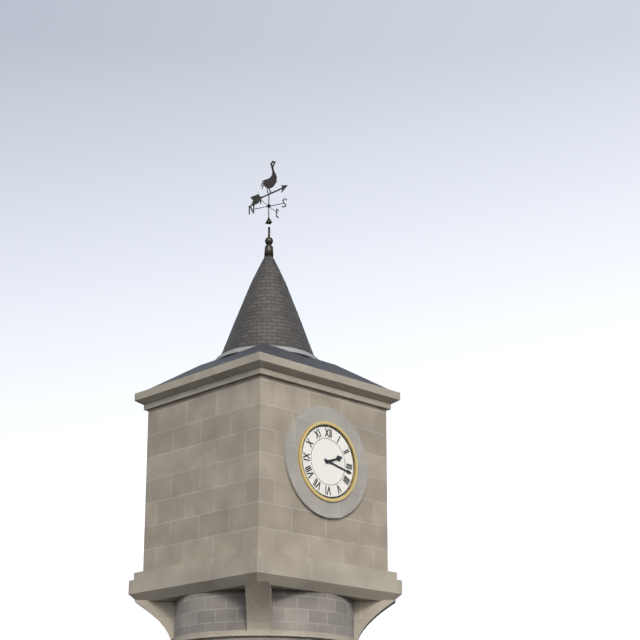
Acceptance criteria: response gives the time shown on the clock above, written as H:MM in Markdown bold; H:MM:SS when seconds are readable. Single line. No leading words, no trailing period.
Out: **2:17**
